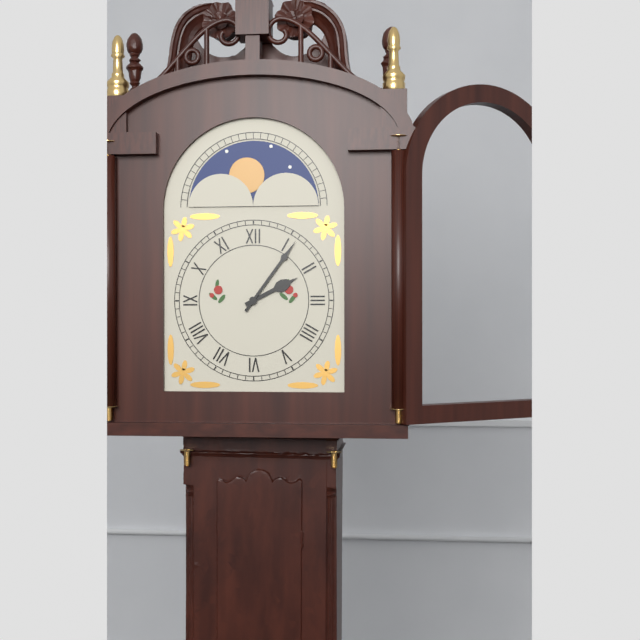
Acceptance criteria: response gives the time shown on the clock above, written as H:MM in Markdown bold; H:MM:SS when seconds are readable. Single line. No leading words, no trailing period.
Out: **2:06**
